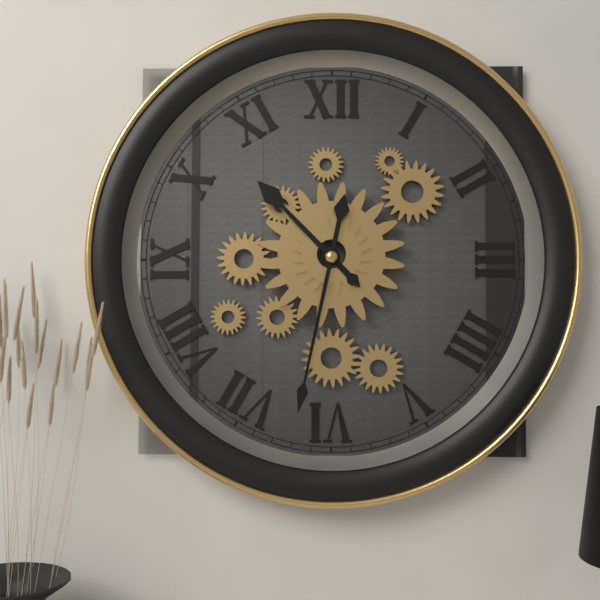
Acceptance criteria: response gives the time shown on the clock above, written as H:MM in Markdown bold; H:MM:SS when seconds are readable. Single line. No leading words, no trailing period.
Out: **10:32**
